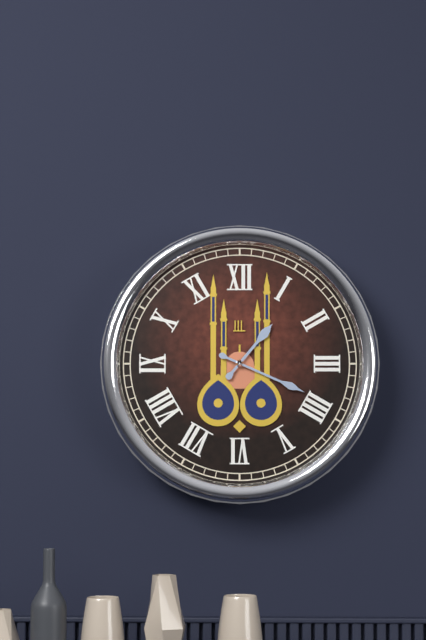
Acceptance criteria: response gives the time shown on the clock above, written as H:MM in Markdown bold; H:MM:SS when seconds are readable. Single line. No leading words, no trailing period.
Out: **1:19**
